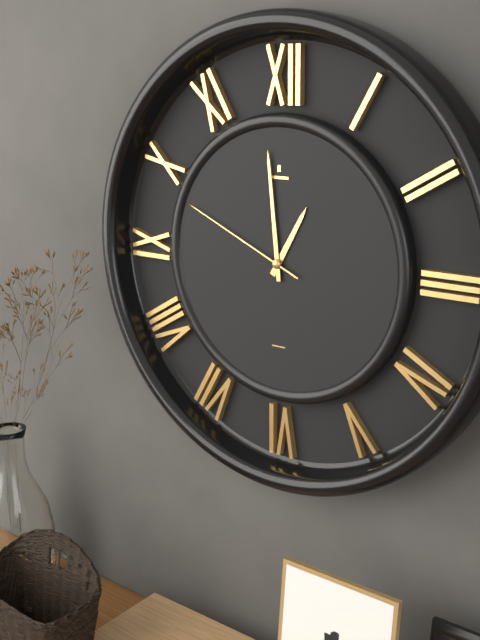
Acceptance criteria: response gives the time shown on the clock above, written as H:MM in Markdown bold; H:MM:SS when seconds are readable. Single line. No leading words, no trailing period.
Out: **12:59:49**
